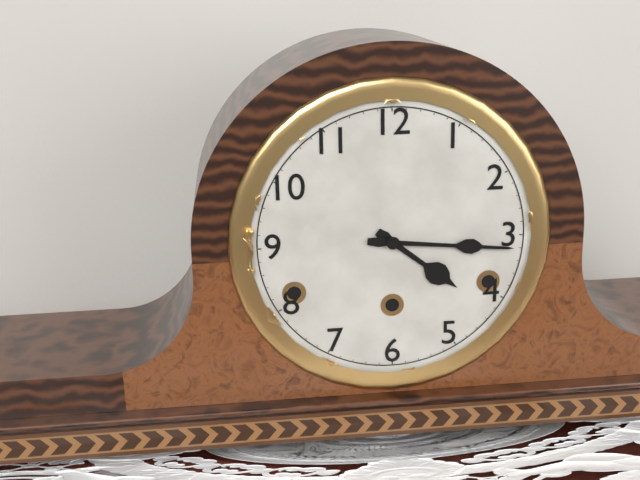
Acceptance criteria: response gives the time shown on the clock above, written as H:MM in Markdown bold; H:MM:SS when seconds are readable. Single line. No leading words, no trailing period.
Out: **4:16**
